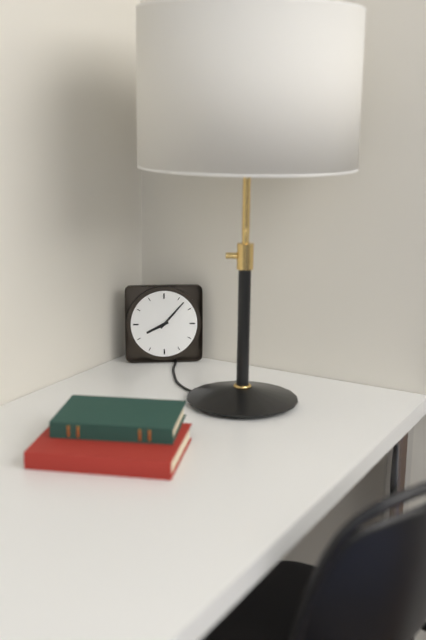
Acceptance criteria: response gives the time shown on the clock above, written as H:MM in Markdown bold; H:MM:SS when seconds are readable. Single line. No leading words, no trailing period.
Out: **8:07**
